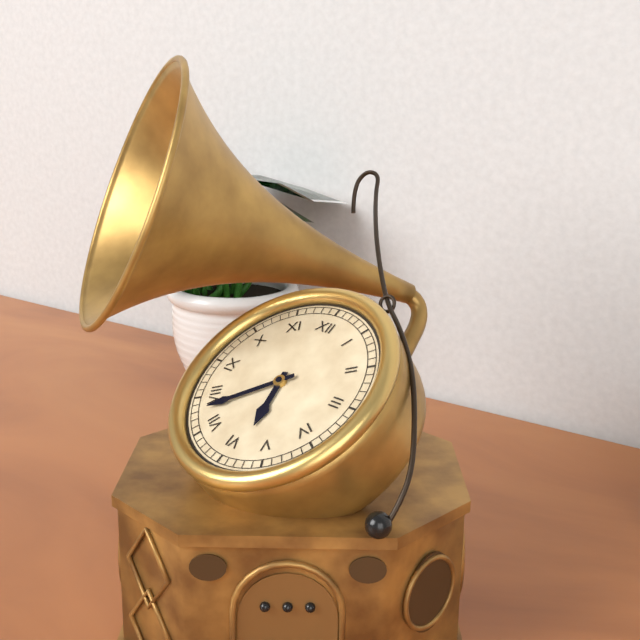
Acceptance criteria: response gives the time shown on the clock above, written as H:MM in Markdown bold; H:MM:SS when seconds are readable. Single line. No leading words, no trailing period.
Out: **5:38**
